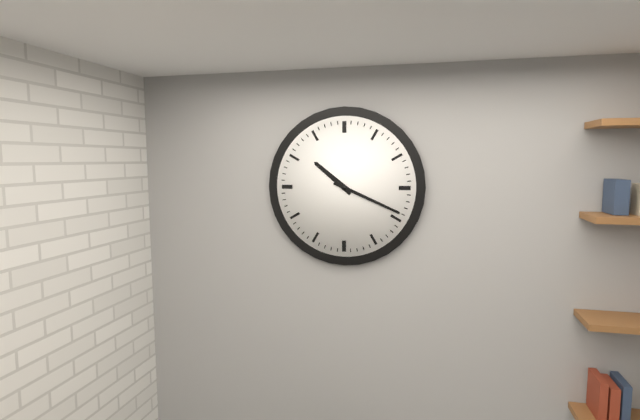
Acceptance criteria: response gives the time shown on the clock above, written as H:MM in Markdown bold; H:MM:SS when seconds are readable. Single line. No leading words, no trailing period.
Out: **10:19**
